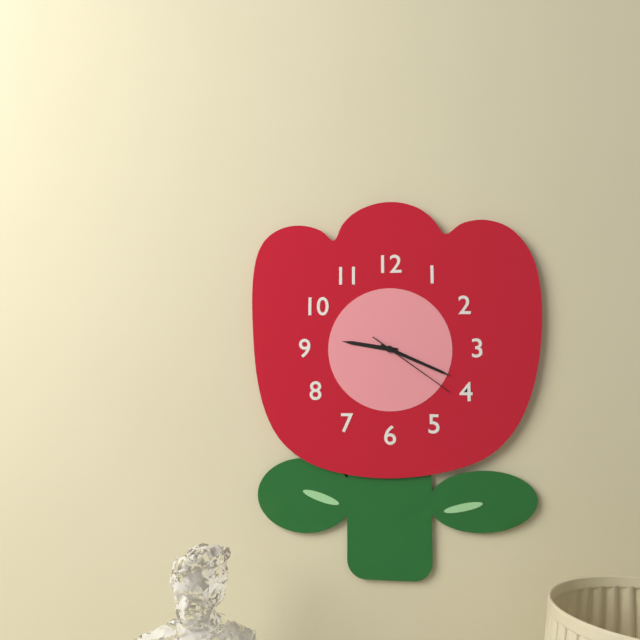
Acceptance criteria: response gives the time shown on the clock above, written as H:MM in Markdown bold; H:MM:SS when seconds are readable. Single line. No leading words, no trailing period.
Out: **9:19:21**
